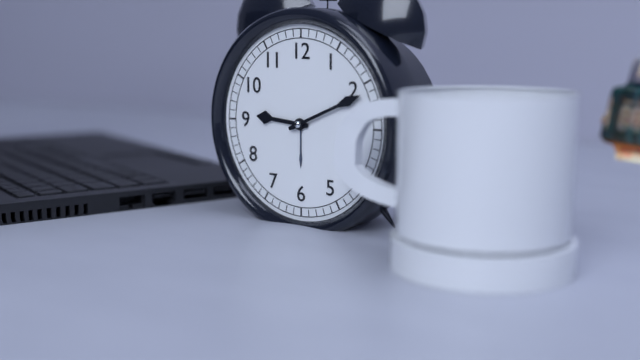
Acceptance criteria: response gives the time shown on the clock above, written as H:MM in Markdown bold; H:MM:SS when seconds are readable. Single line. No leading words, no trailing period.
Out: **9:11**
